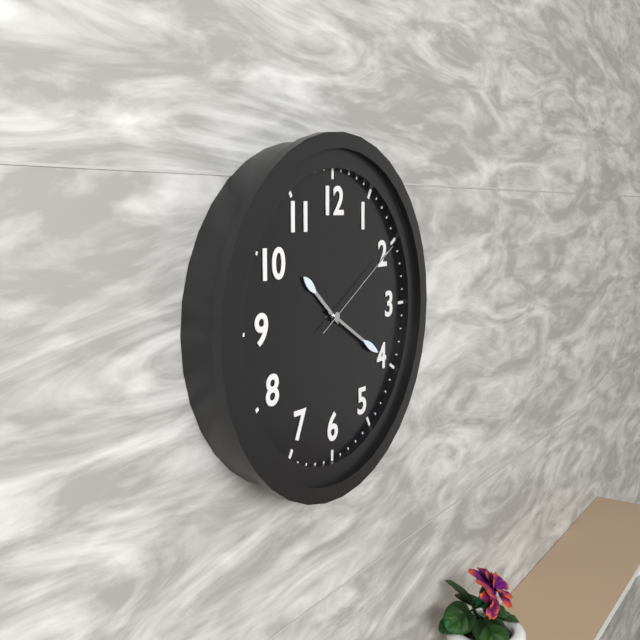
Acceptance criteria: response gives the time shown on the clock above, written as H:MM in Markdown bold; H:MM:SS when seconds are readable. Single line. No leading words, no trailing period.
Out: **10:20:10**
